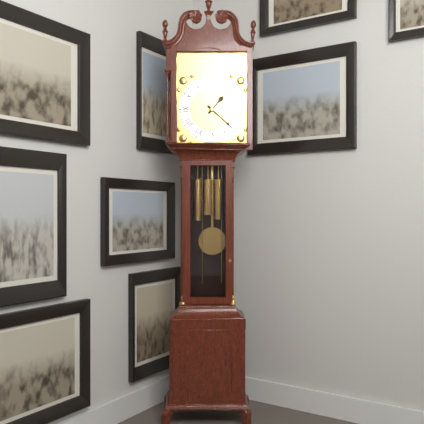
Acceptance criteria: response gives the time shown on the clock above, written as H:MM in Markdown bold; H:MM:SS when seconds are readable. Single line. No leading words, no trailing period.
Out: **1:22**
